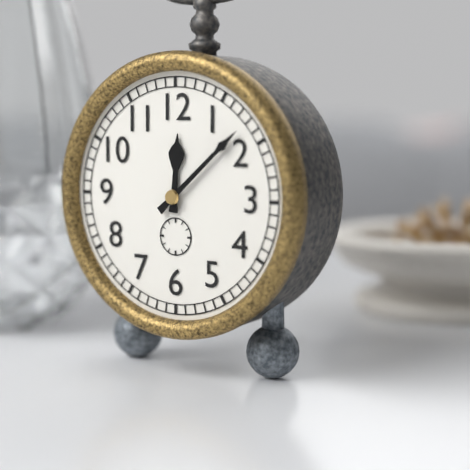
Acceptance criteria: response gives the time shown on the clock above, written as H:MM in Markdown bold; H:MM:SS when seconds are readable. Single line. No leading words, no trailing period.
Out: **12:08**
